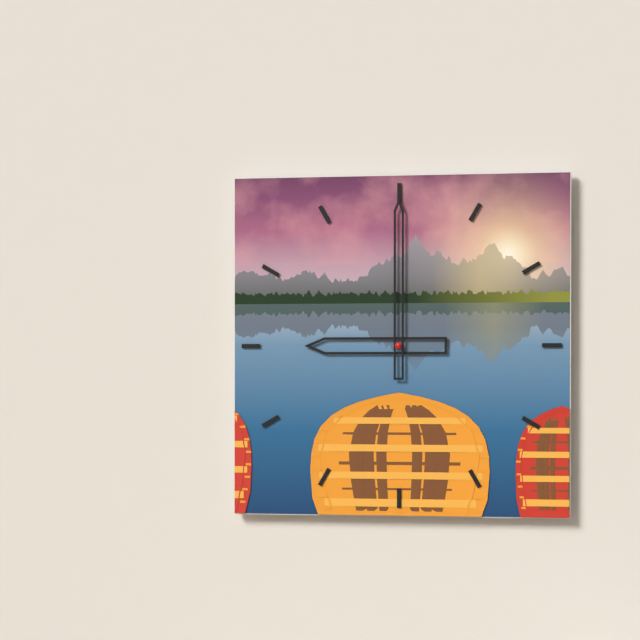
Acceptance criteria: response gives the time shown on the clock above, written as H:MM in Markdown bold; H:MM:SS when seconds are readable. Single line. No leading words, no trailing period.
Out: **9:00**
